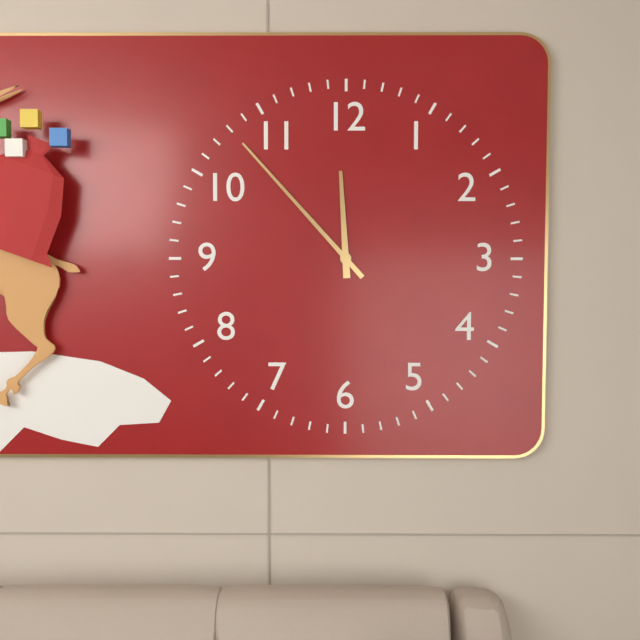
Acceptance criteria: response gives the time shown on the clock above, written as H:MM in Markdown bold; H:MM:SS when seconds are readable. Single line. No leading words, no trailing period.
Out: **11:53**
